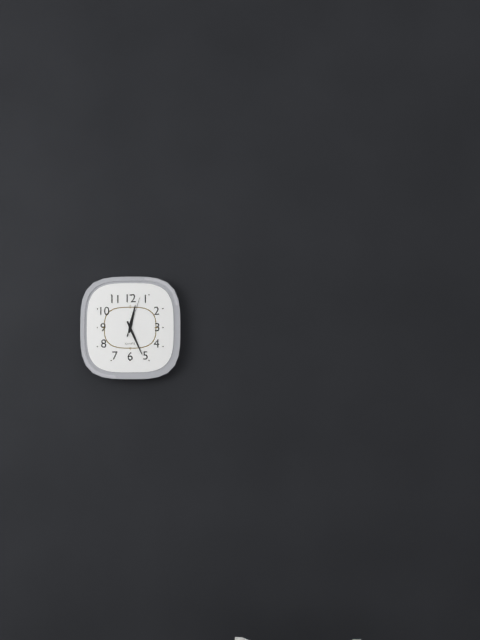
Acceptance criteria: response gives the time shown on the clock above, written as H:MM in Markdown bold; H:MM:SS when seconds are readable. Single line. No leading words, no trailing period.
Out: **12:26**
